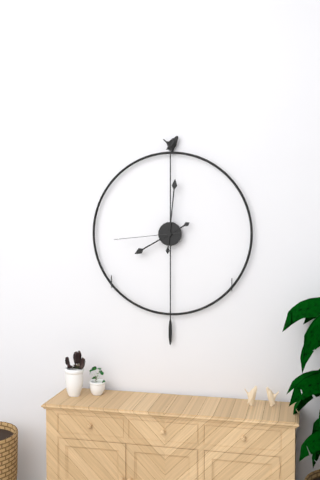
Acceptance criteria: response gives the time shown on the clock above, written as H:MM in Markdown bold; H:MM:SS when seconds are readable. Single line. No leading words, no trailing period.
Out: **8:01:44**
